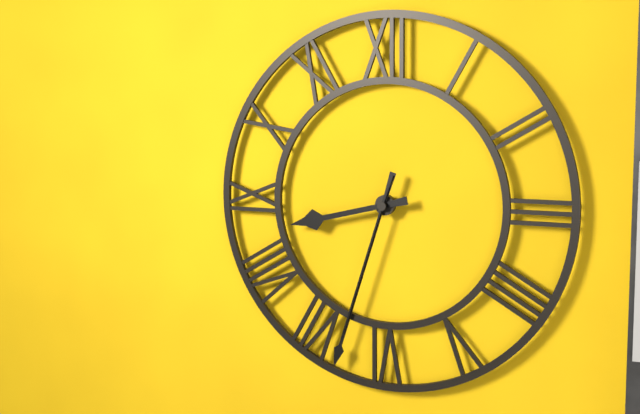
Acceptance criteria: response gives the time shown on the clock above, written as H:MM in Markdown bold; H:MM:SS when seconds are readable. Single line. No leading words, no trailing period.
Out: **8:33:33**
